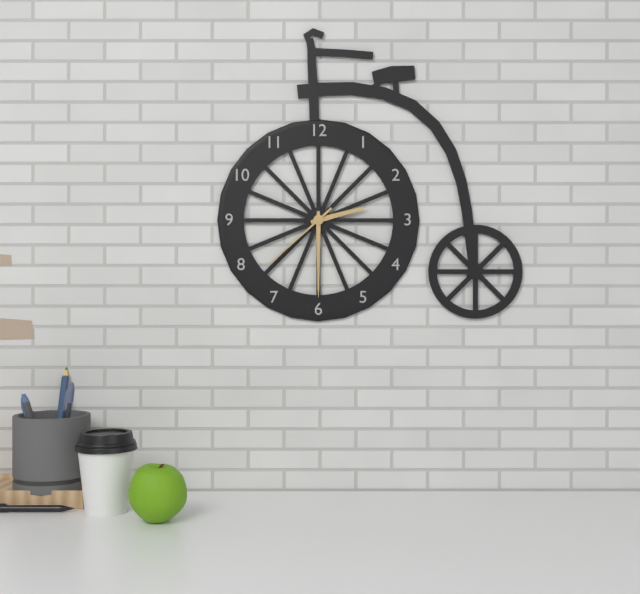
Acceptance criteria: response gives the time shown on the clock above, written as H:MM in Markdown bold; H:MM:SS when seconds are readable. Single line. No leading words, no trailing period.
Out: **2:30:38**
